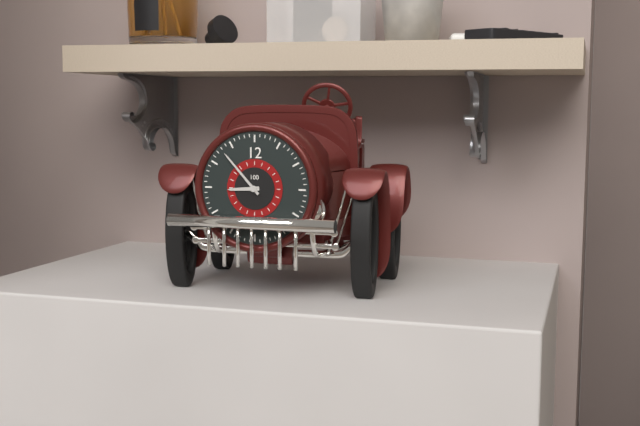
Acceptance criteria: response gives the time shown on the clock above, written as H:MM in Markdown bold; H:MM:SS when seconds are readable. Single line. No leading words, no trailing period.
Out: **8:53**
